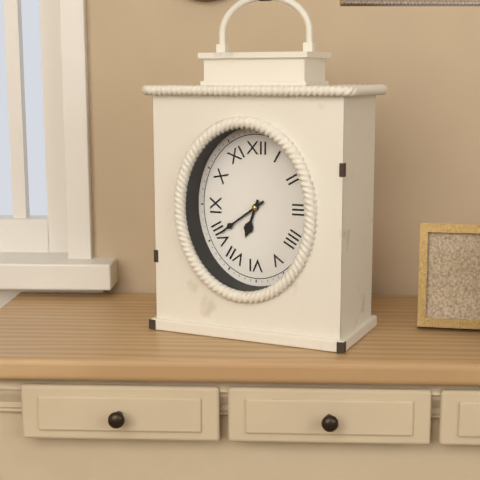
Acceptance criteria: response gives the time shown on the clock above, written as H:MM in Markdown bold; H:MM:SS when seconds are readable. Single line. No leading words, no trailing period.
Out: **6:39**
